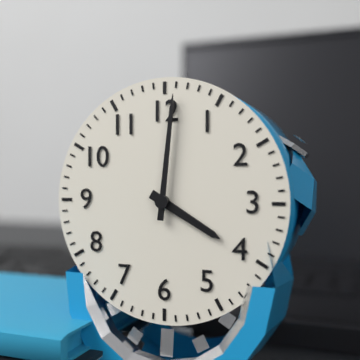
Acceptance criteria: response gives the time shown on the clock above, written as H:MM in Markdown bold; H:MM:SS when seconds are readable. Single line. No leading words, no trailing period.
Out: **4:01**
